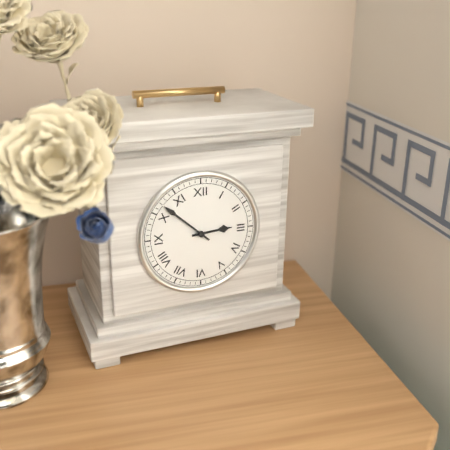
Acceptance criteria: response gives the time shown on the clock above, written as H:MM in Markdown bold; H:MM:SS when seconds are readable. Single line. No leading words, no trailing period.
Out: **2:52**
